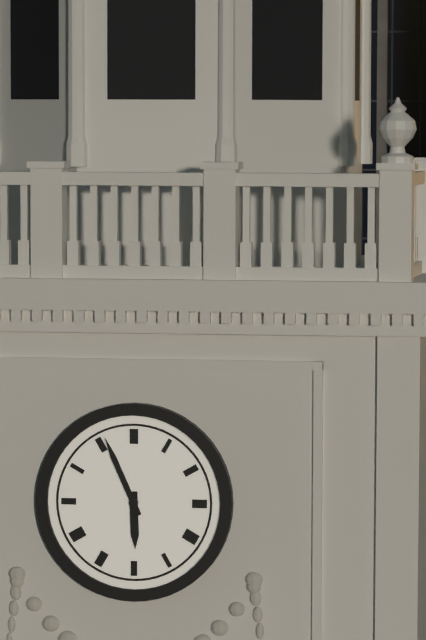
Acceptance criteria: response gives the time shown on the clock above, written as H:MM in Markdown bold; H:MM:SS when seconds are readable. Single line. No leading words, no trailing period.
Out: **5:56**
